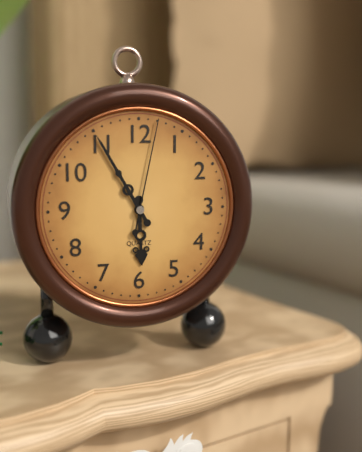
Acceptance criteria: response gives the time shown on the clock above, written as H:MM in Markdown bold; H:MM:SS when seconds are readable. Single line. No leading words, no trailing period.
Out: **5:55:02**
